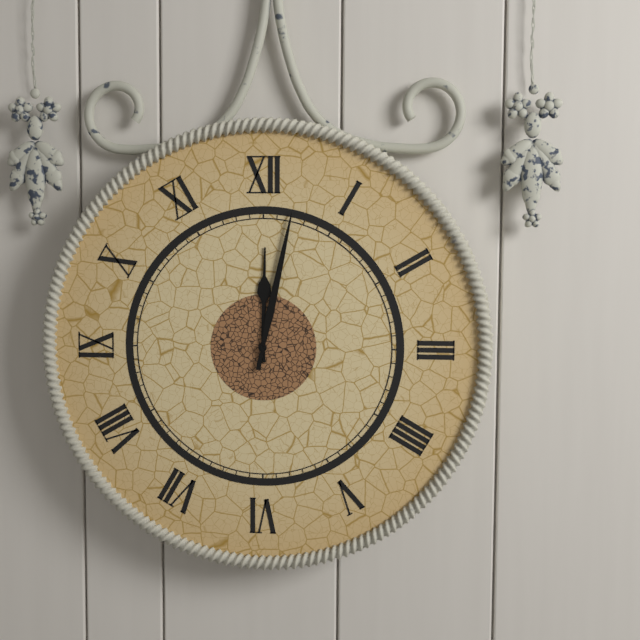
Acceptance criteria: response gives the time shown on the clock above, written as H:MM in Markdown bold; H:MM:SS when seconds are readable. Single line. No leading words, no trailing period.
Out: **12:02**
